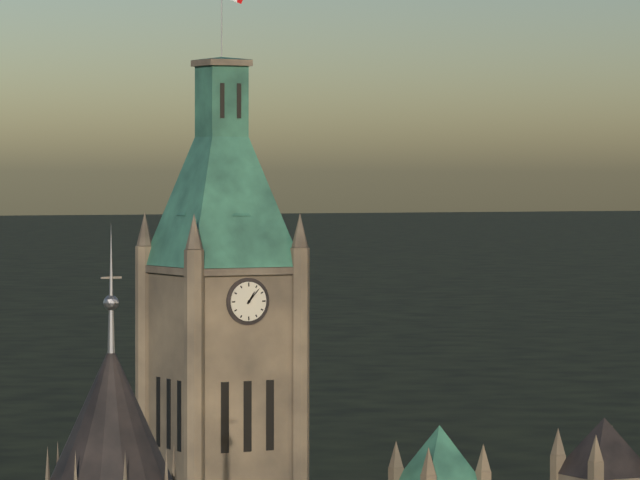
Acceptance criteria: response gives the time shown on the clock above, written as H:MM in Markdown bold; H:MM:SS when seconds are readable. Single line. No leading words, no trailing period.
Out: **1:07**
